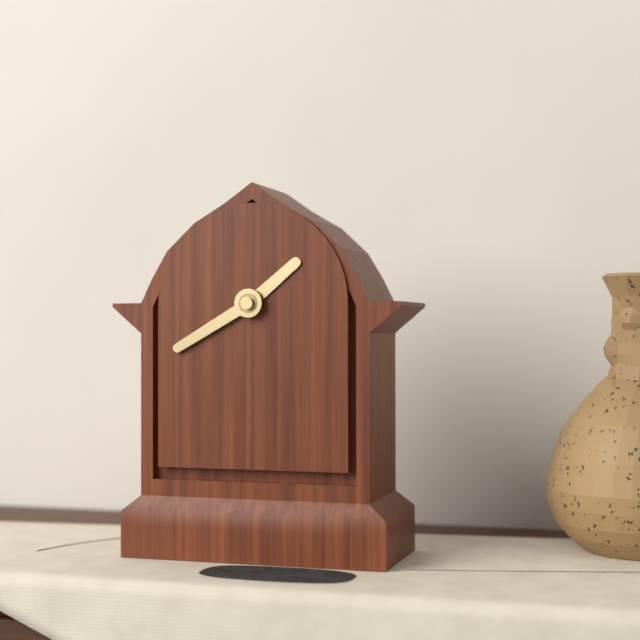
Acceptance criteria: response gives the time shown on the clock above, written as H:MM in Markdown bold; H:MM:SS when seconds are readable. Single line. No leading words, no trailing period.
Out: **1:40**
